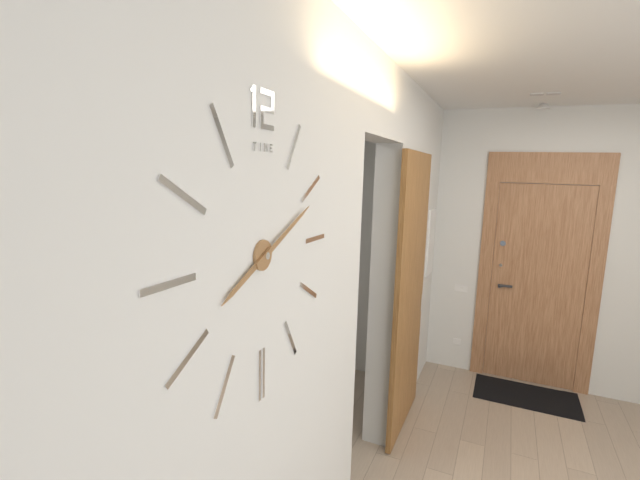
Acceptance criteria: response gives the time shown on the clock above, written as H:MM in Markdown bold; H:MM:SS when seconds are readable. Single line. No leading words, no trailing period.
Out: **8:11**
